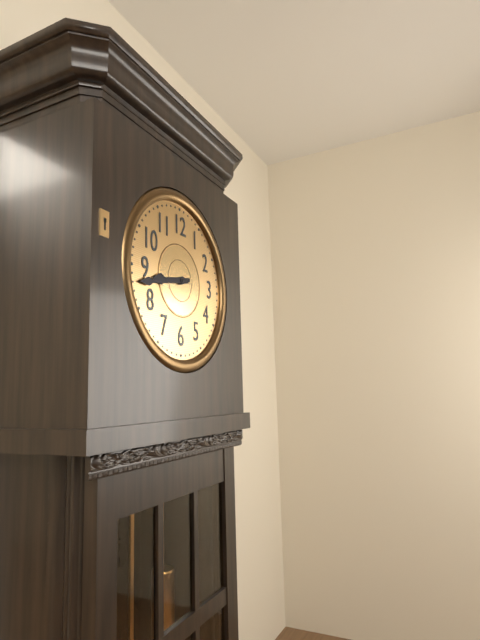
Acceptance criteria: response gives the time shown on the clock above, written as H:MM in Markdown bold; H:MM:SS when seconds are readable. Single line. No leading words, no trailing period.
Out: **8:43**
